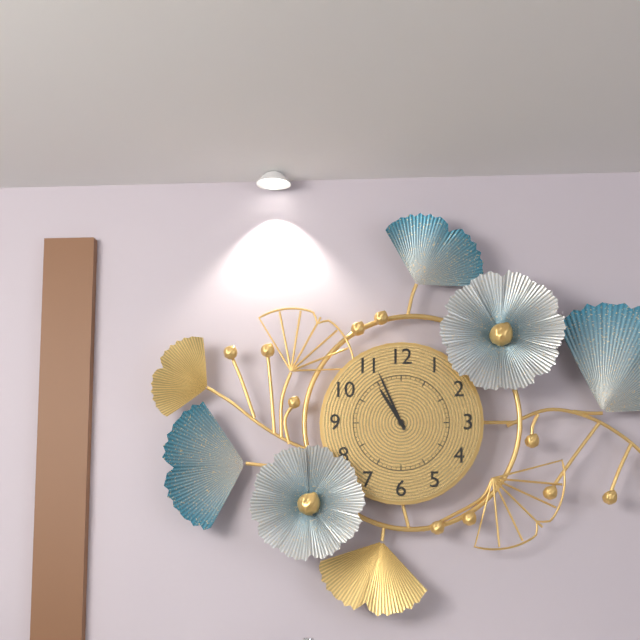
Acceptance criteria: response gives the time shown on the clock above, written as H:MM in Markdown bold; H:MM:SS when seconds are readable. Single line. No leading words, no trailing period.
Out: **10:56**
